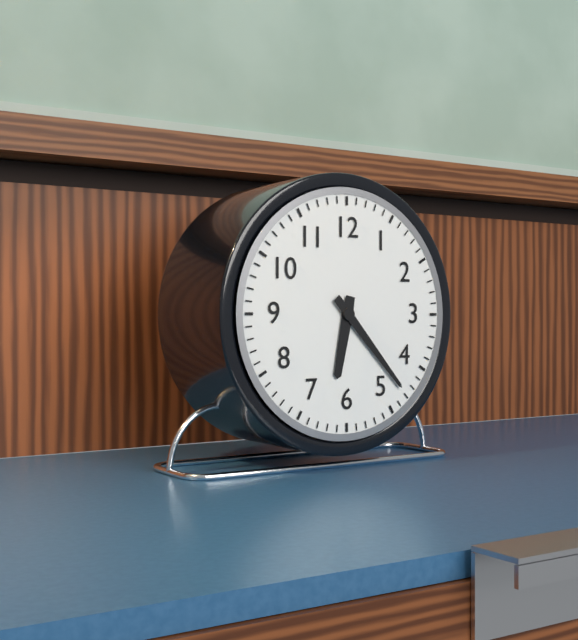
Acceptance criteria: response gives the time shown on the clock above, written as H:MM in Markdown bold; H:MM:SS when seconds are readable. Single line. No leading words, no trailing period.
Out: **6:23**
